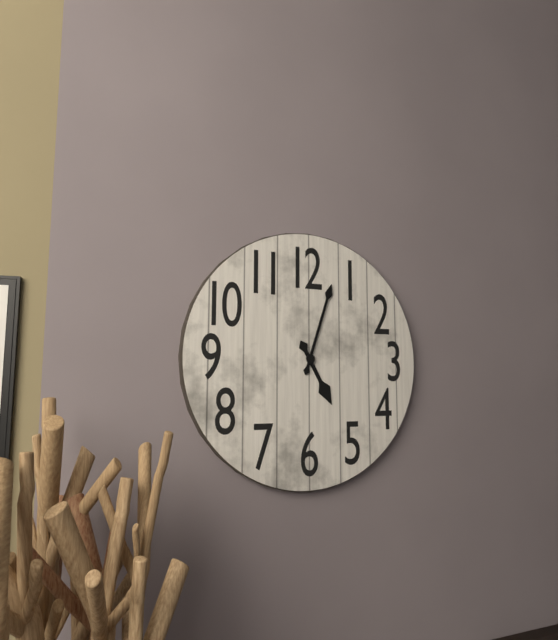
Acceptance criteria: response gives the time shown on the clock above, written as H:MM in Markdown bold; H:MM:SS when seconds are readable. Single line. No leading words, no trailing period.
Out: **5:03**
